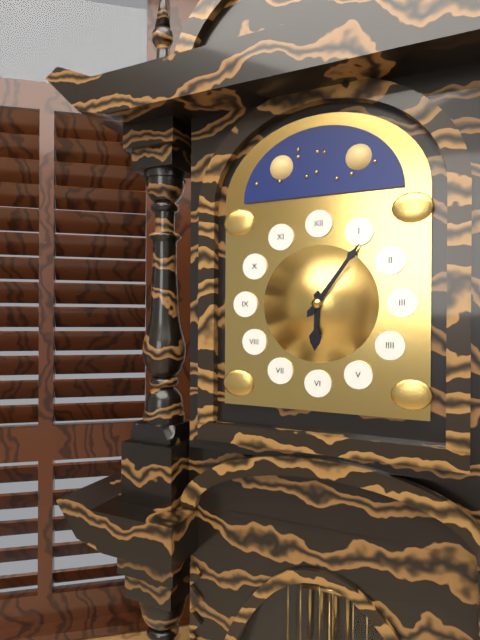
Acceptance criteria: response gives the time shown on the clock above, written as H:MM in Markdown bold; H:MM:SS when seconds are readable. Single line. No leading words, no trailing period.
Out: **6:06**
